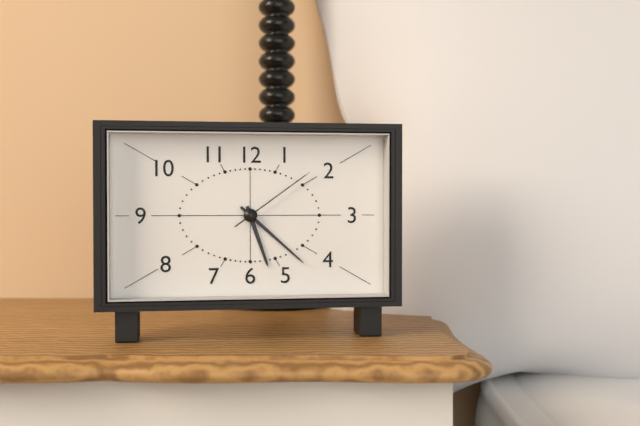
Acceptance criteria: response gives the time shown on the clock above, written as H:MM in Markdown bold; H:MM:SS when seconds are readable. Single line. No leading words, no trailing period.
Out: **5:22:09**
